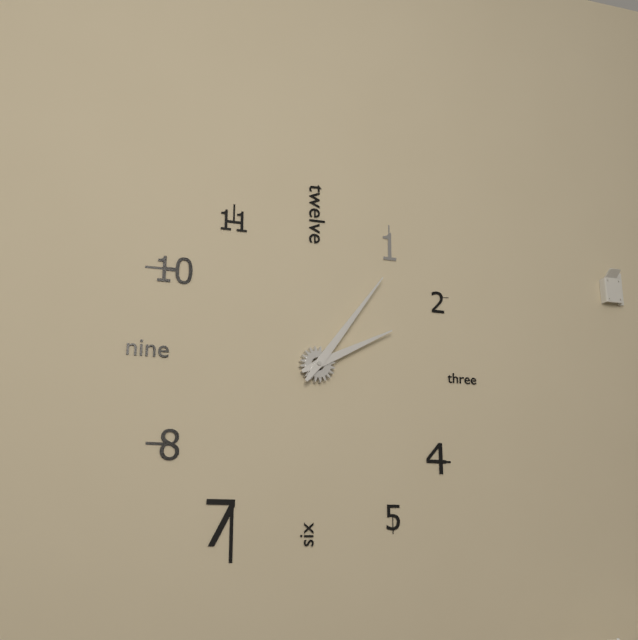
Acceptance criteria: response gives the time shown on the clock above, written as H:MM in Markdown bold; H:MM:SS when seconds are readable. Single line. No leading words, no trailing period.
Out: **2:06**
